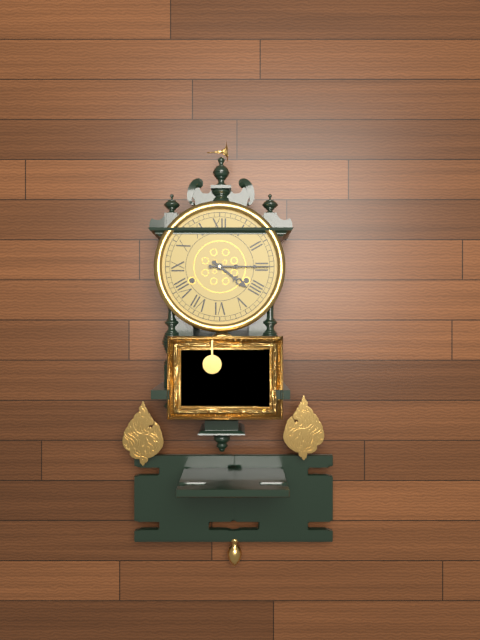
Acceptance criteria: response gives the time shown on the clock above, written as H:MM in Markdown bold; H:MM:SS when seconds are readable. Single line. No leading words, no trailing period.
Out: **4:15**
